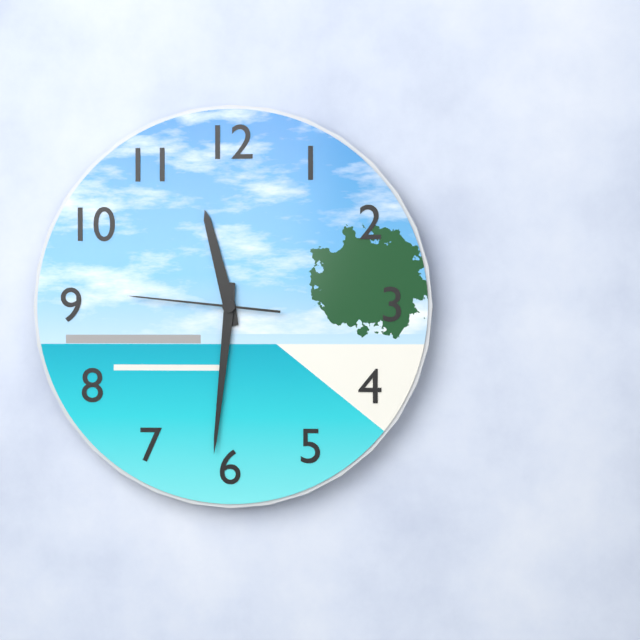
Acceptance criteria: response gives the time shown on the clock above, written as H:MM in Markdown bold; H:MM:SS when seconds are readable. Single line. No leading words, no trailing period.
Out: **11:31:46**
